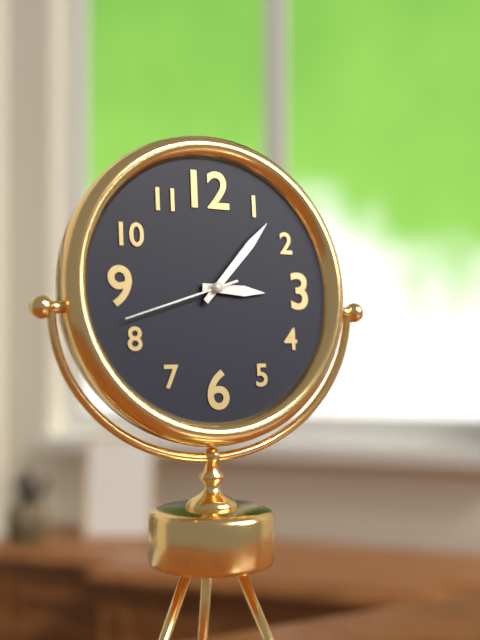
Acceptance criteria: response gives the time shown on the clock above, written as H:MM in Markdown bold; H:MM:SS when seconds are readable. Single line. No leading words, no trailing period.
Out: **3:07:42**
